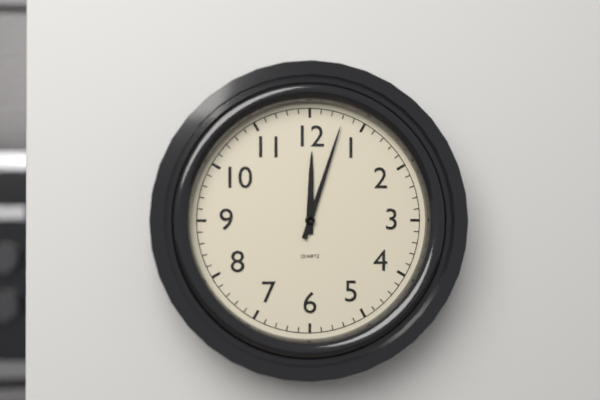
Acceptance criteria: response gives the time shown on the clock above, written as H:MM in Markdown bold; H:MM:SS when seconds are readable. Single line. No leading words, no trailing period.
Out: **12:03**
